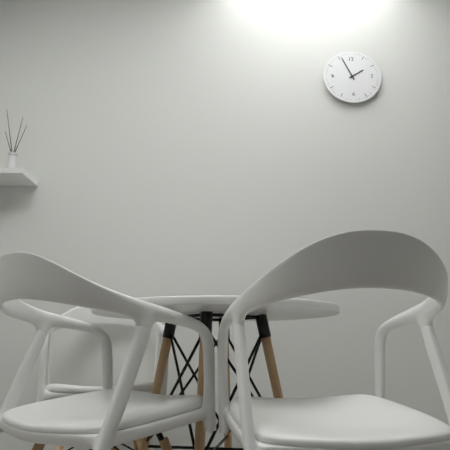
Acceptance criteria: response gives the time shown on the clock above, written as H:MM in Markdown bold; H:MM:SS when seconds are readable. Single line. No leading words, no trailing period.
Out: **1:56**
